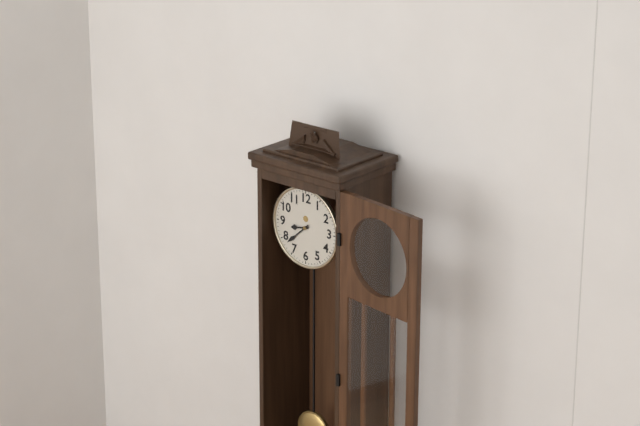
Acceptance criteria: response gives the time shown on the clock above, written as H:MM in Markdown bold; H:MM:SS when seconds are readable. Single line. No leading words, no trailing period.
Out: **8:38**
